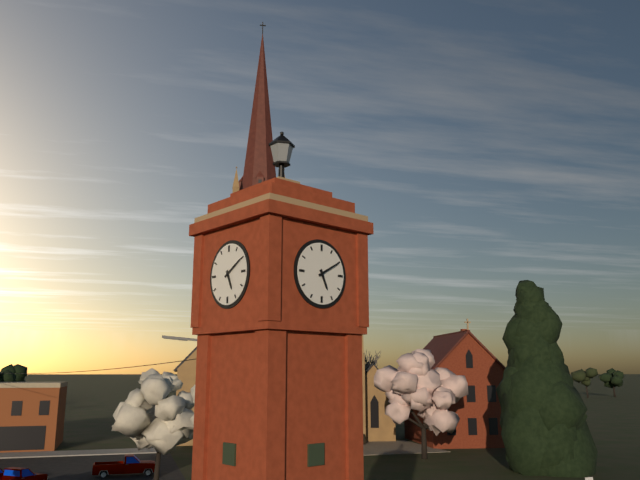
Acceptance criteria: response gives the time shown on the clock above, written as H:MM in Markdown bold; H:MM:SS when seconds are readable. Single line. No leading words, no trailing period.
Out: **5:10**
